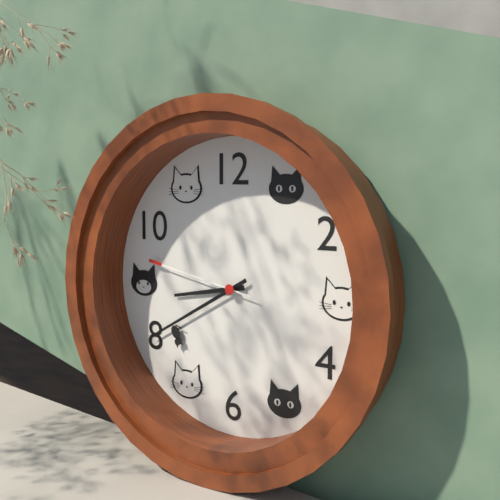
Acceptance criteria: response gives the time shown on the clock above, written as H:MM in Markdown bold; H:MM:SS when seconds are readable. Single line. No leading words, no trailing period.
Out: **8:40:47**
